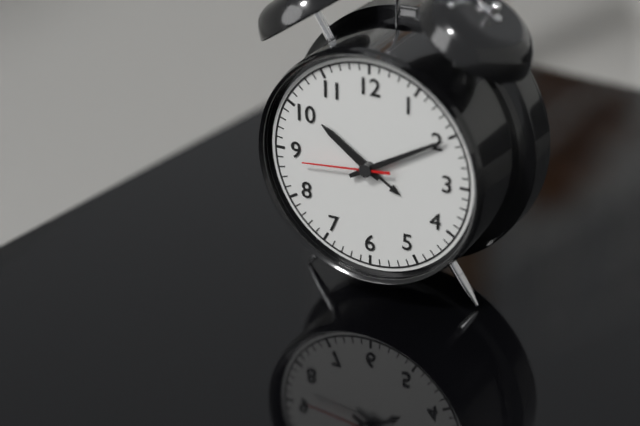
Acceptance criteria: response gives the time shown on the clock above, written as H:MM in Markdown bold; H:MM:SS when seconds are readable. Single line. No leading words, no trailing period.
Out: **10:10:44**
